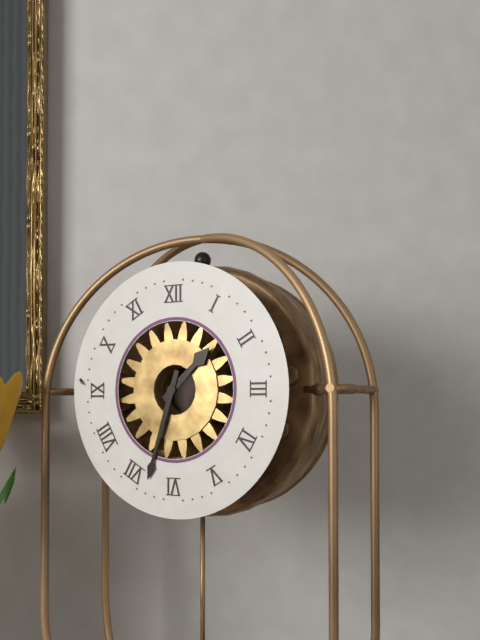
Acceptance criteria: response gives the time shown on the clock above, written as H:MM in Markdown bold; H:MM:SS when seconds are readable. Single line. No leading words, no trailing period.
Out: **1:33**
